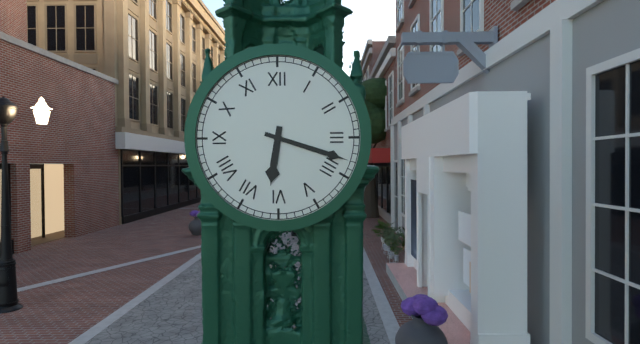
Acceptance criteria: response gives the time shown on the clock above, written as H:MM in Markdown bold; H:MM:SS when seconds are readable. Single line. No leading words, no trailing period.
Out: **6:18**
